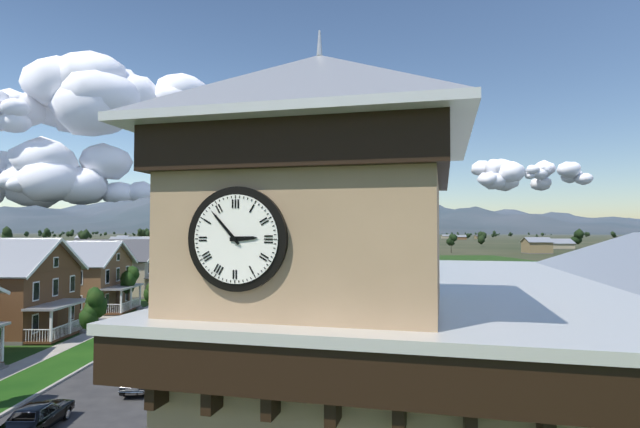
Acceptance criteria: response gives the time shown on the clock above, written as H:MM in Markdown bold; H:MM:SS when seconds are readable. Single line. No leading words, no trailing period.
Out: **2:53**
